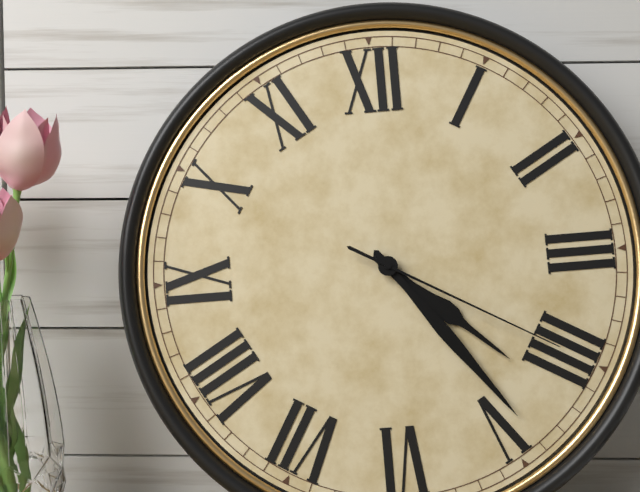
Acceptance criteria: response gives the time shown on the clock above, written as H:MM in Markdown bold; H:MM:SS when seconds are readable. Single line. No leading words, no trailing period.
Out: **4:24:20**
